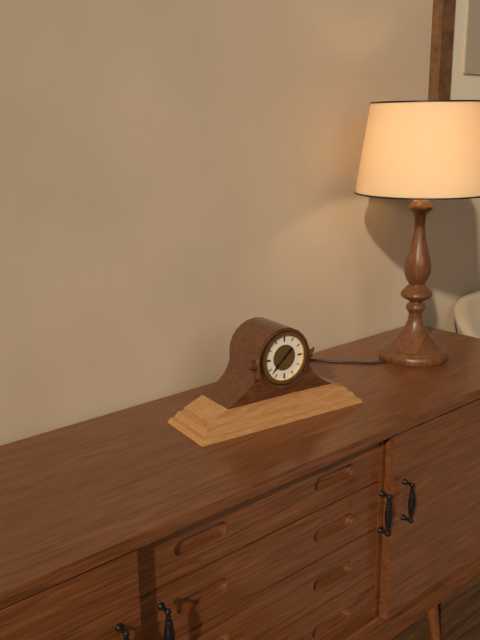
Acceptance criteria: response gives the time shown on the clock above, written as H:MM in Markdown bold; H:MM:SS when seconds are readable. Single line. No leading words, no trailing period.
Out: **1:38**
